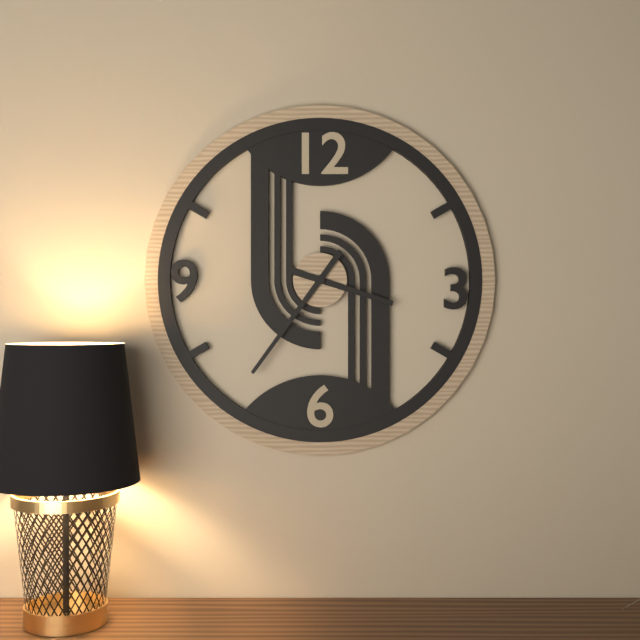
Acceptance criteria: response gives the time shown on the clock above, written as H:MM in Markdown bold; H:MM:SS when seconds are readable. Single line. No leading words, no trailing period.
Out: **3:36**
